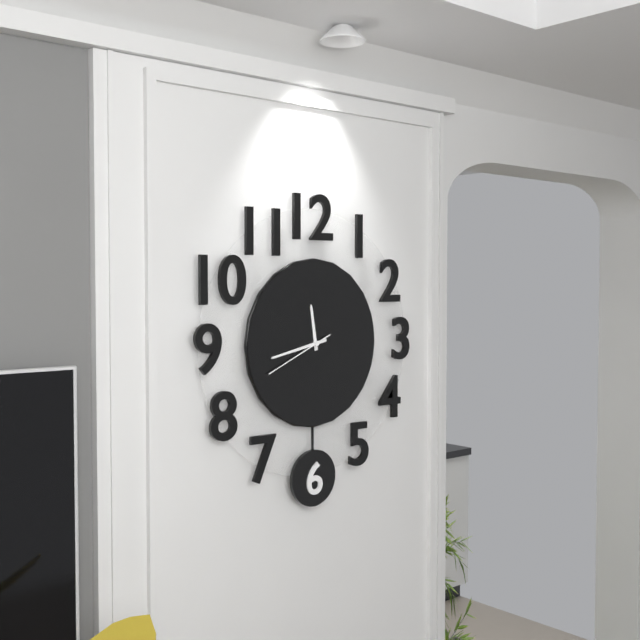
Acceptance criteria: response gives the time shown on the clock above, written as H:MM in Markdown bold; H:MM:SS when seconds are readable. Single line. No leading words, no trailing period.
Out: **11:43:41**
